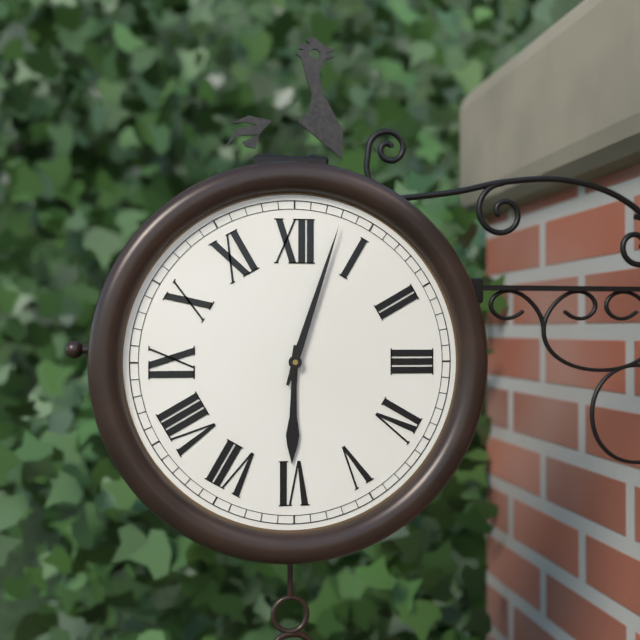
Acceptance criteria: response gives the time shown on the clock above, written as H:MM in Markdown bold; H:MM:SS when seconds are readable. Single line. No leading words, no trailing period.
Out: **6:03**
